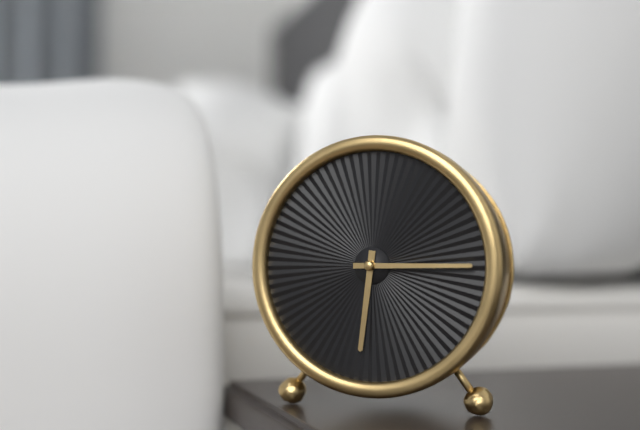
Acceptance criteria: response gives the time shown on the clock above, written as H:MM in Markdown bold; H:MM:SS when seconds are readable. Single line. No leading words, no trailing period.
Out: **6:15**
